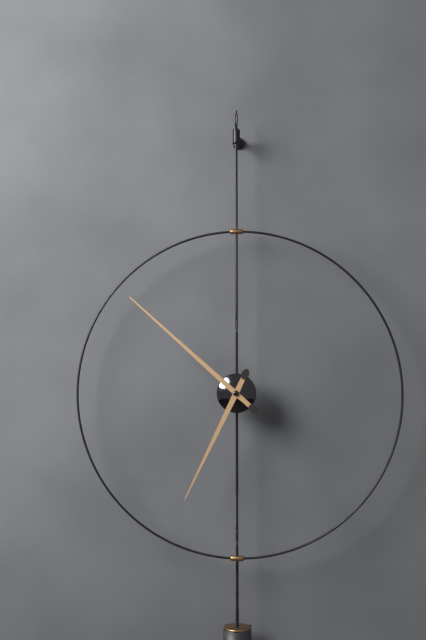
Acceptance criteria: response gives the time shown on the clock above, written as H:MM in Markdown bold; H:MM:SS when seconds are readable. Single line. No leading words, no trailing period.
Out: **6:52**
